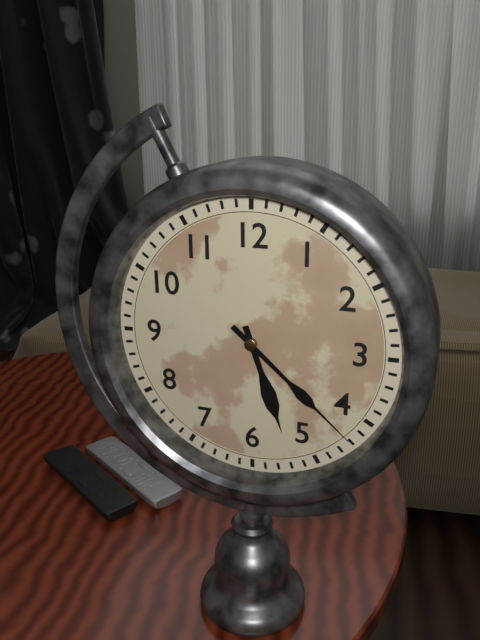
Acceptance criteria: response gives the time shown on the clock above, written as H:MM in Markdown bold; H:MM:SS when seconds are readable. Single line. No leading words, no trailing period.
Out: **5:22**
